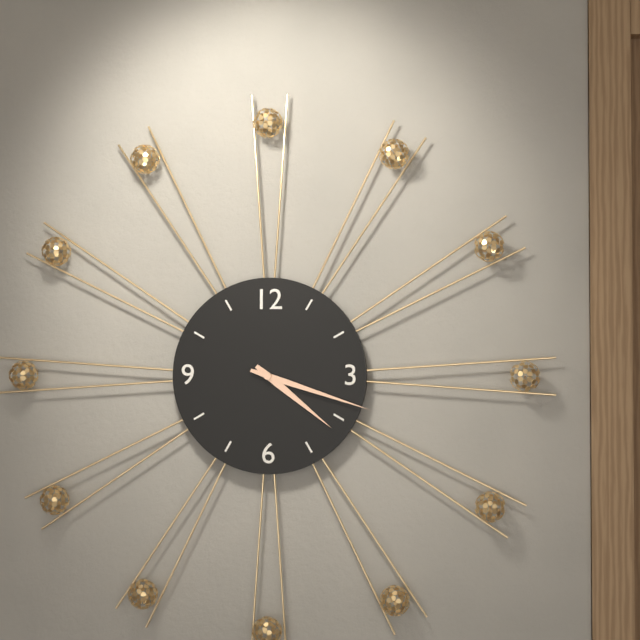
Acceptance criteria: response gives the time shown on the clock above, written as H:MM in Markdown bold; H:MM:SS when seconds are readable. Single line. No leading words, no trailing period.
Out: **4:18**
